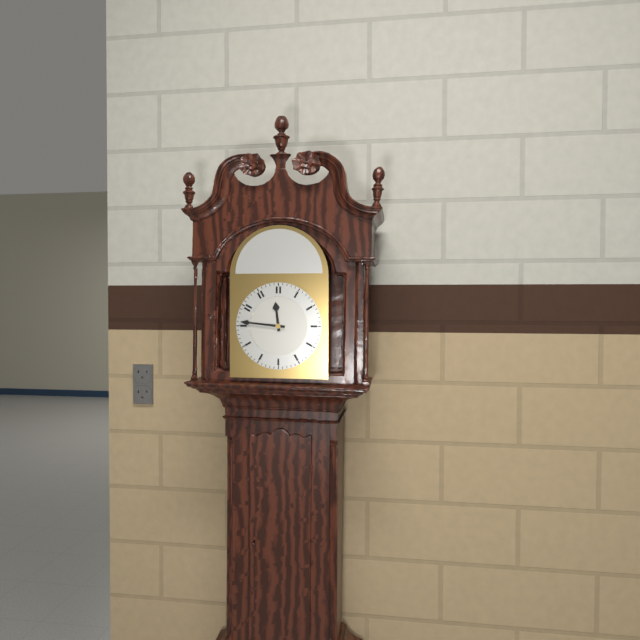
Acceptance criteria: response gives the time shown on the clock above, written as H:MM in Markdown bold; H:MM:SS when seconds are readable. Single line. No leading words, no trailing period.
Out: **11:46**
